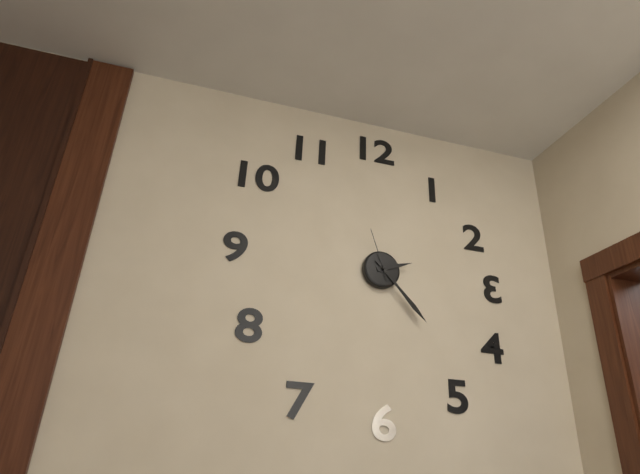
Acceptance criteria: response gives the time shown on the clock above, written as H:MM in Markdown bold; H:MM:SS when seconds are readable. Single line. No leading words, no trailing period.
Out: **2:23:57**
